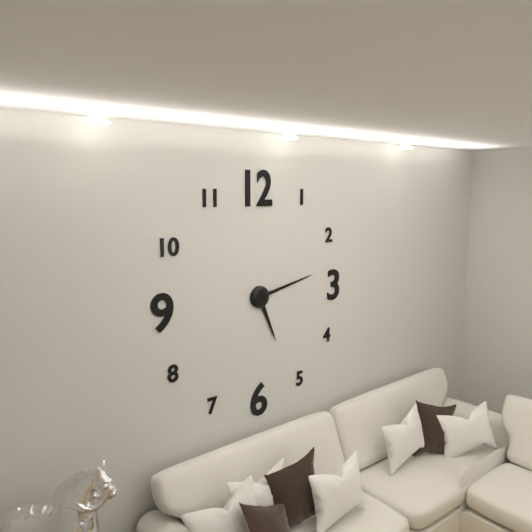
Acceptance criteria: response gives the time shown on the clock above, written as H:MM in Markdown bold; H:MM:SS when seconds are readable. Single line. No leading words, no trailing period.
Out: **5:13**
